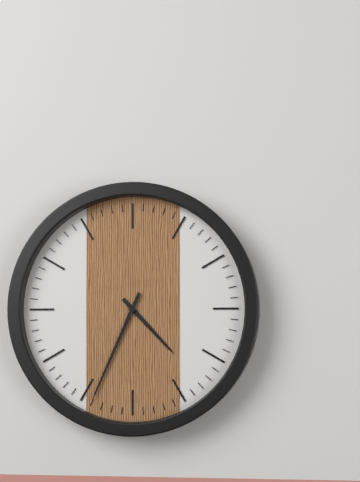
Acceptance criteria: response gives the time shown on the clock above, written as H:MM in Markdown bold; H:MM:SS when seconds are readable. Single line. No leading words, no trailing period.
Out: **4:34**
